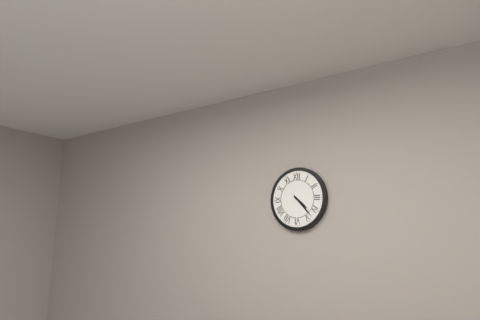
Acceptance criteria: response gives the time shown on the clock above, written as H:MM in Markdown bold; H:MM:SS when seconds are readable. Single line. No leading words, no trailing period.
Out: **4:23**
